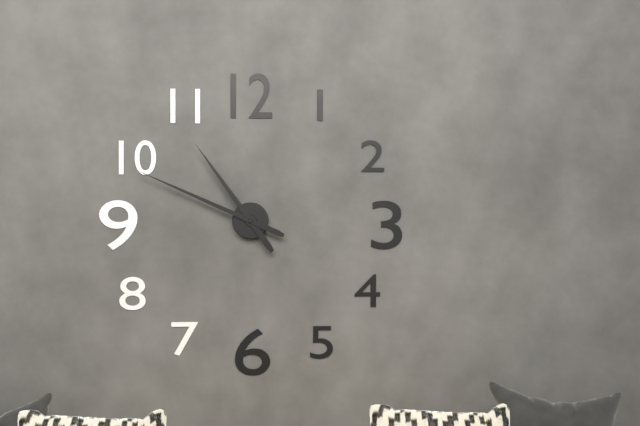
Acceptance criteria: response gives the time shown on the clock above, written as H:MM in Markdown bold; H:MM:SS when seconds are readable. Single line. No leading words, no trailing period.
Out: **10:49**
